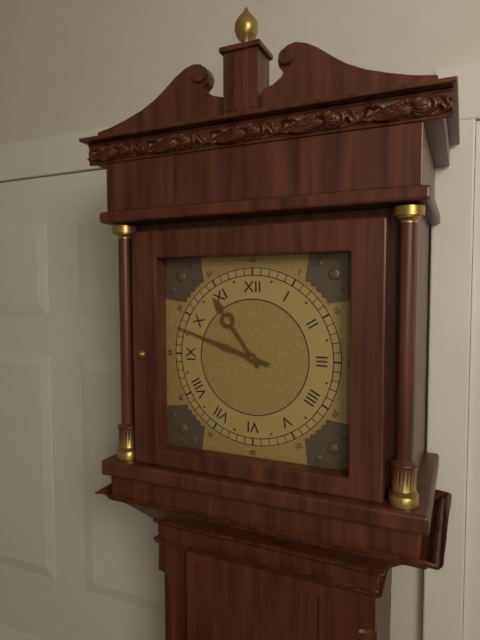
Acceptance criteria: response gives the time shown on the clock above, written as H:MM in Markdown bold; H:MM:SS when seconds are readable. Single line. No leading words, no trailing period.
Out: **10:48**
